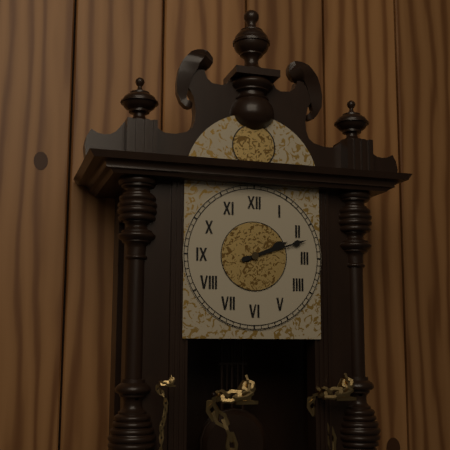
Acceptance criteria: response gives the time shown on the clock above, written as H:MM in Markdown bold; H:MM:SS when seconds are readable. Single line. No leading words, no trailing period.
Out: **2:12**
